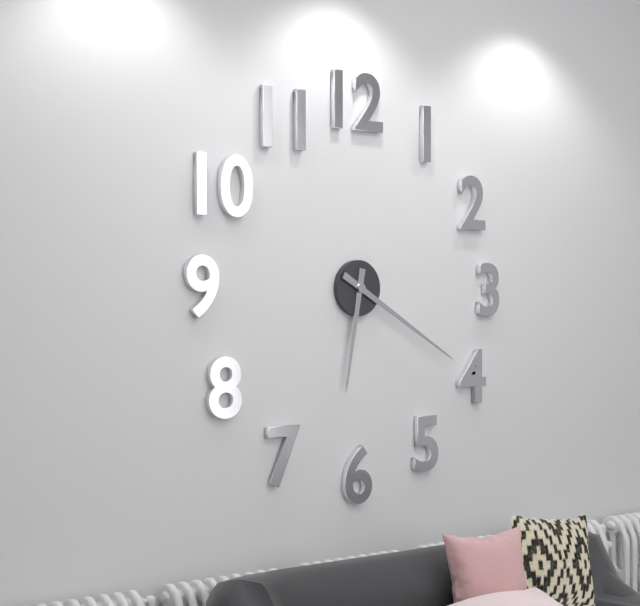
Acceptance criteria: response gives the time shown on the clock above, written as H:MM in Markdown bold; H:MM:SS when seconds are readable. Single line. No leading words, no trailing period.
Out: **6:20**
